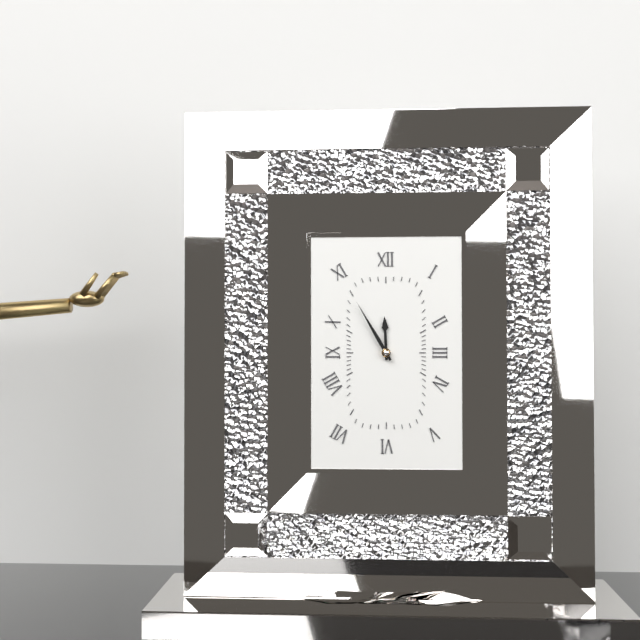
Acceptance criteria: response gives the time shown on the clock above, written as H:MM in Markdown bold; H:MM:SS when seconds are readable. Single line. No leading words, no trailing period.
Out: **11:55**
